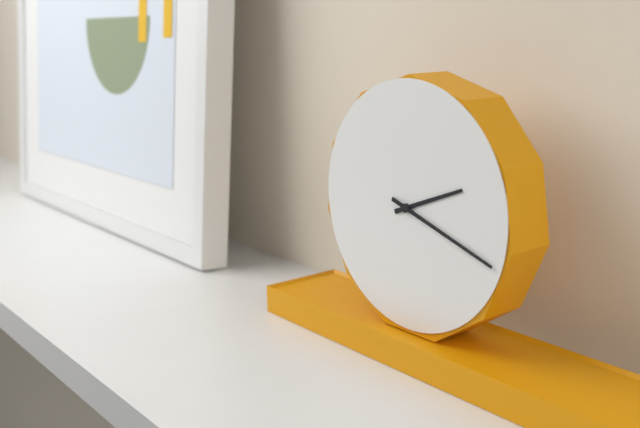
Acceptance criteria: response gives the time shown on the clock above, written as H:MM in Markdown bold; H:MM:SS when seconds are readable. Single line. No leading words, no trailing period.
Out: **2:18**
